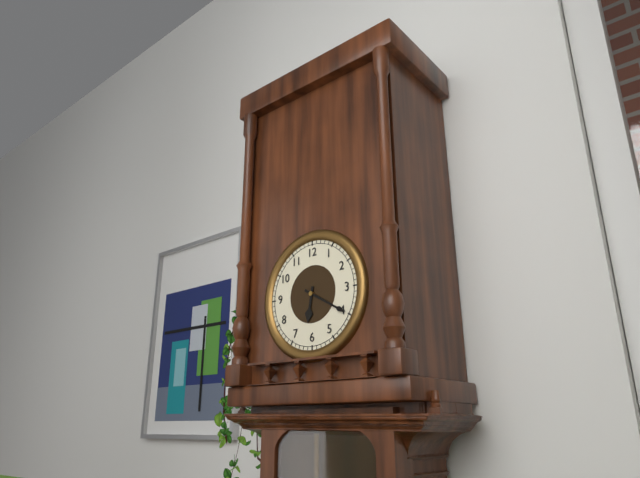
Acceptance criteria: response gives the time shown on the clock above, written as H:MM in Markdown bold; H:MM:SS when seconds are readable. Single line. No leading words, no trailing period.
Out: **6:20**
